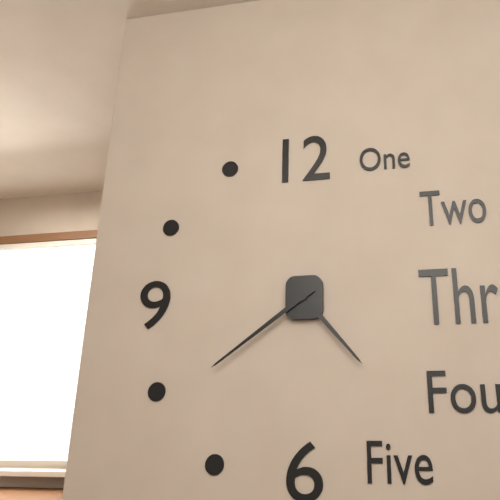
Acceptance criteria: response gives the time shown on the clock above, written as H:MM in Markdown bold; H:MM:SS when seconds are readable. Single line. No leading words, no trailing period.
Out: **4:39**
